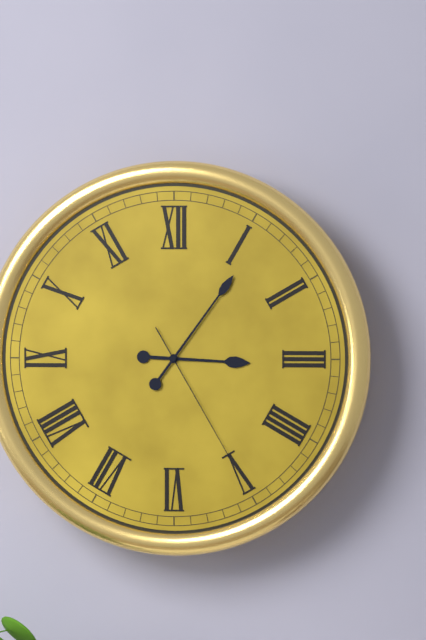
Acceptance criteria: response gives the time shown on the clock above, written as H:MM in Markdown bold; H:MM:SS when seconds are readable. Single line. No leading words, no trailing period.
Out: **3:06:25**
